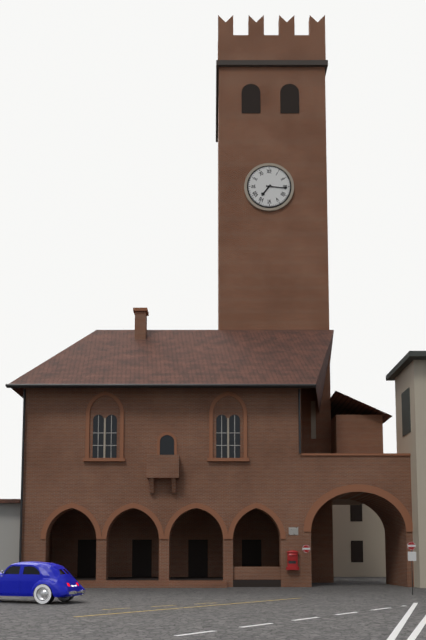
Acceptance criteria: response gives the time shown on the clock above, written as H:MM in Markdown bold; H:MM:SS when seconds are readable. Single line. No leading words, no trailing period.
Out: **7:16**
